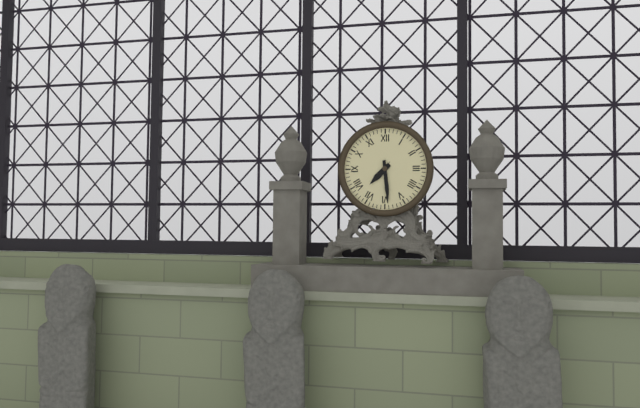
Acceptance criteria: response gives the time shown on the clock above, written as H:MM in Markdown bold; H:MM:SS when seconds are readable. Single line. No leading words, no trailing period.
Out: **7:29**
